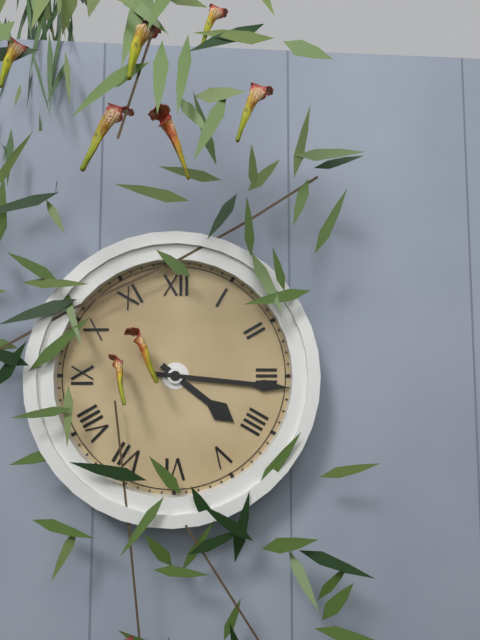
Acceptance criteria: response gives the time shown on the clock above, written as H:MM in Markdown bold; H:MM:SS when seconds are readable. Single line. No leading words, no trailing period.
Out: **4:16**
